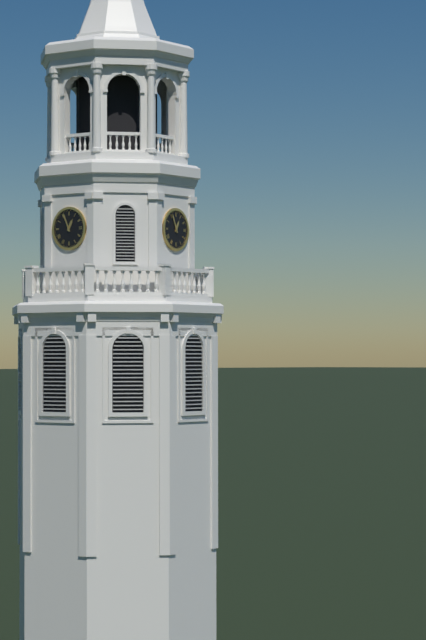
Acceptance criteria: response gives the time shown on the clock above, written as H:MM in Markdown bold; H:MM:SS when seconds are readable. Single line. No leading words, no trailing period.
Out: **12:56**
